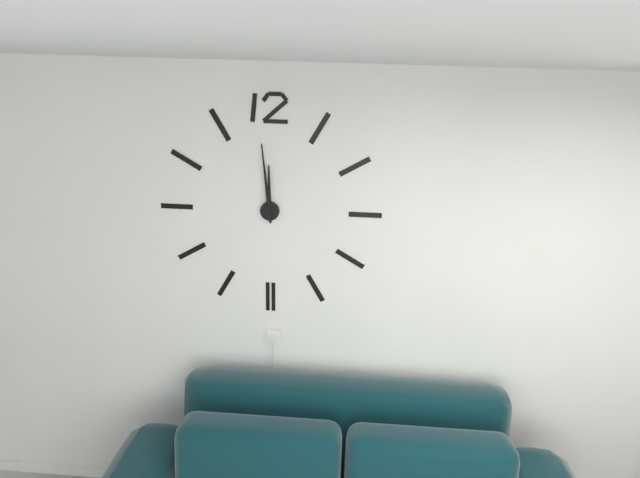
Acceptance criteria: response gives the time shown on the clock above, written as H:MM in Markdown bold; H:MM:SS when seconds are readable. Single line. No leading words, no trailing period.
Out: **11:59**
